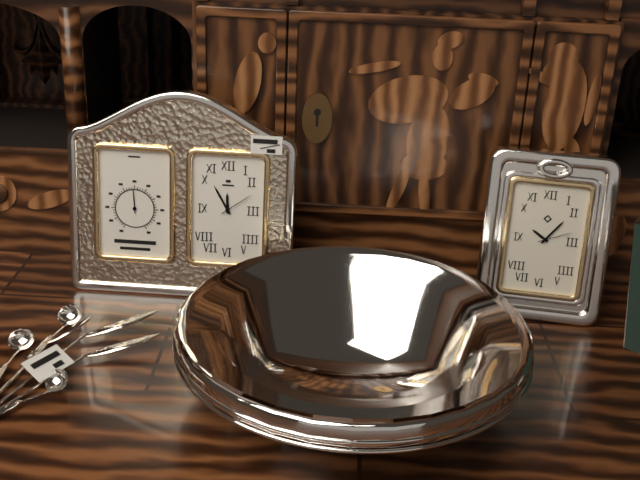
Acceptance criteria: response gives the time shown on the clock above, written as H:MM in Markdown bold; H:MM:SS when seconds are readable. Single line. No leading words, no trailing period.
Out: **11:55**
